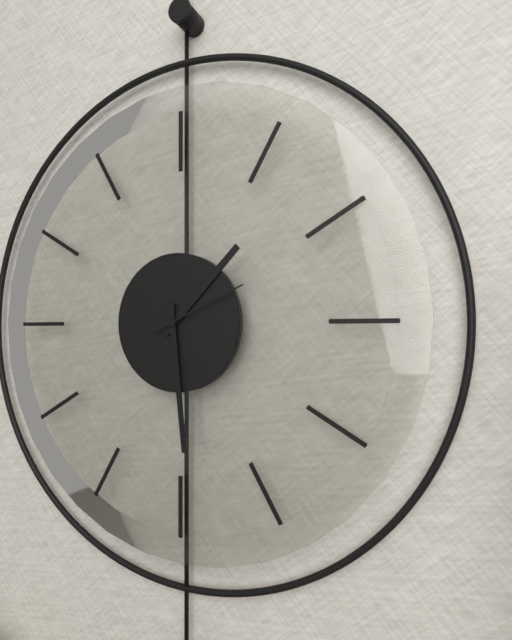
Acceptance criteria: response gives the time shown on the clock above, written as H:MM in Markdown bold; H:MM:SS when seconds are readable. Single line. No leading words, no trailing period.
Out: **1:29:11**
